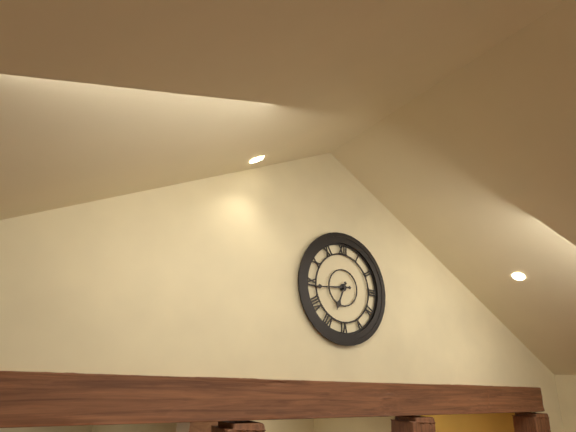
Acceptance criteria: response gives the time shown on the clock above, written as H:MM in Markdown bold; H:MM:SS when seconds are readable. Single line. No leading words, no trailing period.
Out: **6:44**
